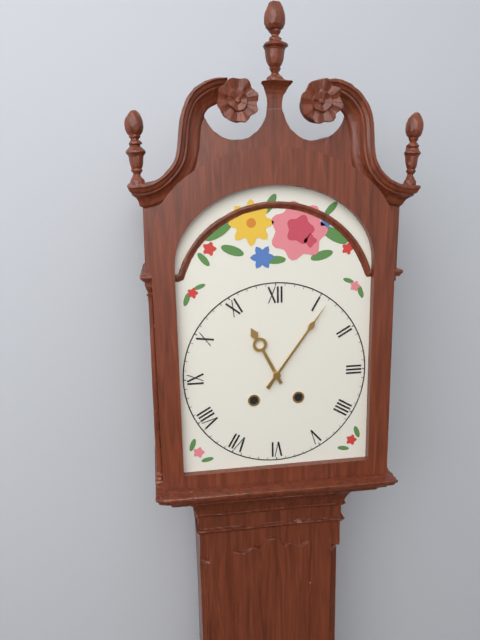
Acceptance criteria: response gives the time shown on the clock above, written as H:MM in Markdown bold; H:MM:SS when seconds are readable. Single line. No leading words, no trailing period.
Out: **11:06**
